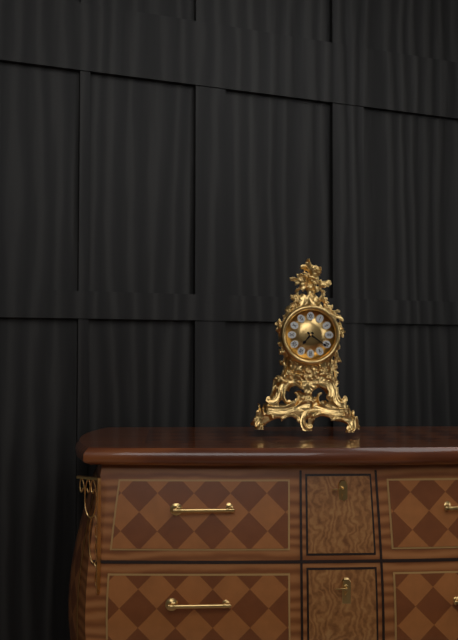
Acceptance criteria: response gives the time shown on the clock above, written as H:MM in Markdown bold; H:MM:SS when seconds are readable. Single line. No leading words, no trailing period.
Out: **7:21**
